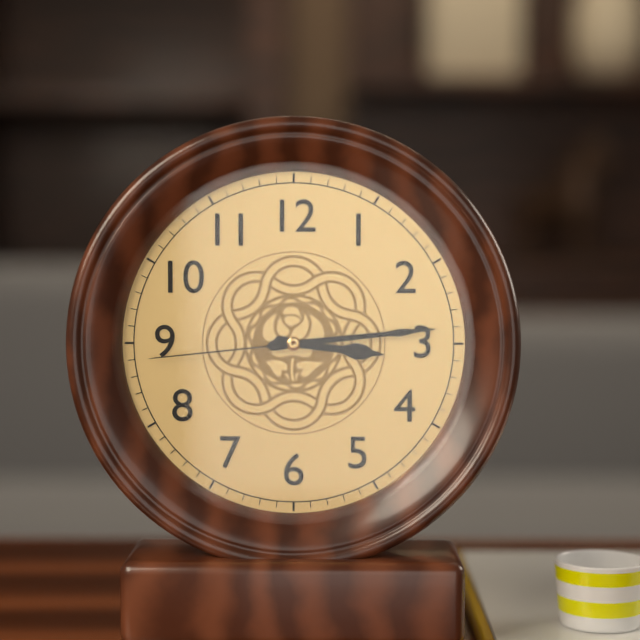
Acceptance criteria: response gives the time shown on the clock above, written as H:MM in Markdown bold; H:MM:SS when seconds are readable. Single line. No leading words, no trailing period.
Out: **3:14:44**
